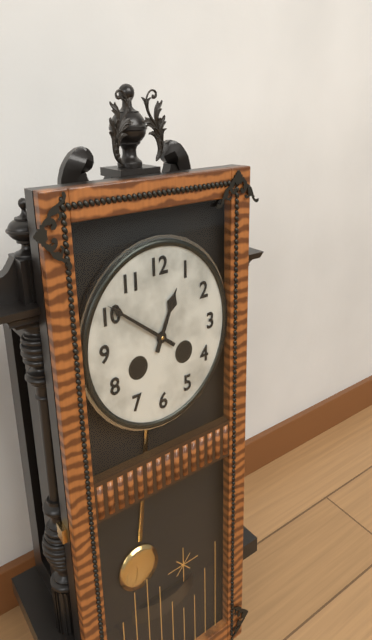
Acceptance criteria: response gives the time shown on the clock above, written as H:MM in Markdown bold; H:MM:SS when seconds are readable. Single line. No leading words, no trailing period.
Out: **12:51**
